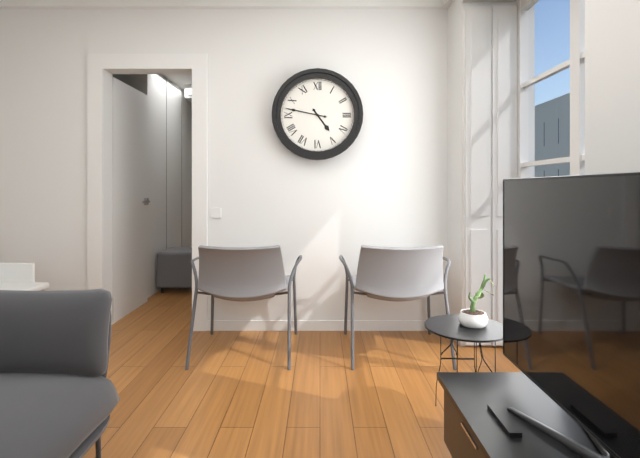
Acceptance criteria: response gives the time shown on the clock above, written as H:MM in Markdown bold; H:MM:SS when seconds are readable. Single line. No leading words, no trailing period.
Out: **4:47**
